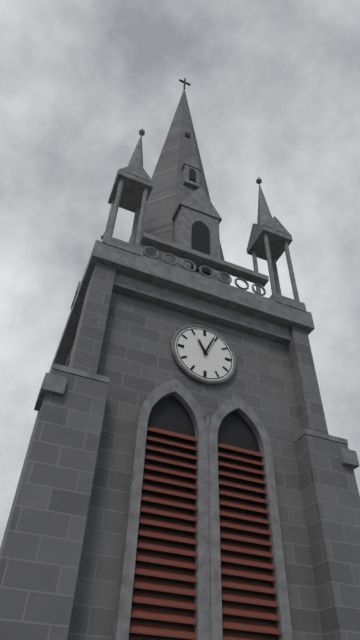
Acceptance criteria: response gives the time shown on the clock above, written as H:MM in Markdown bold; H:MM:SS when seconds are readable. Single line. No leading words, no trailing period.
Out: **11:04**
